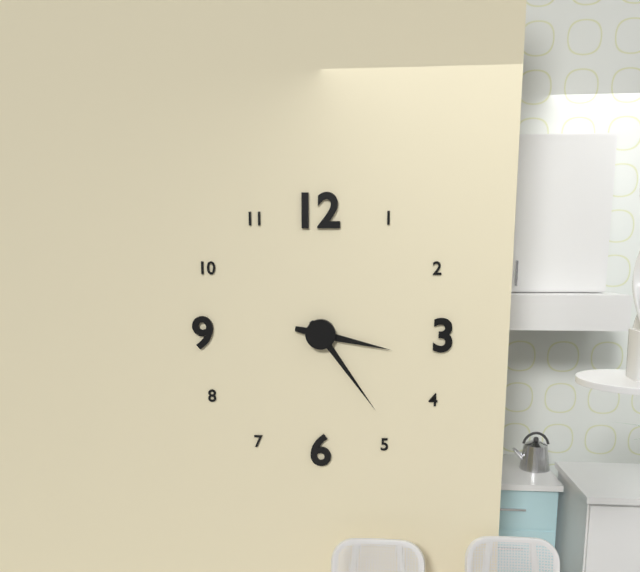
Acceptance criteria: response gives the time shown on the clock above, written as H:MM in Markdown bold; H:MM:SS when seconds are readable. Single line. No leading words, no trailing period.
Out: **3:24**
